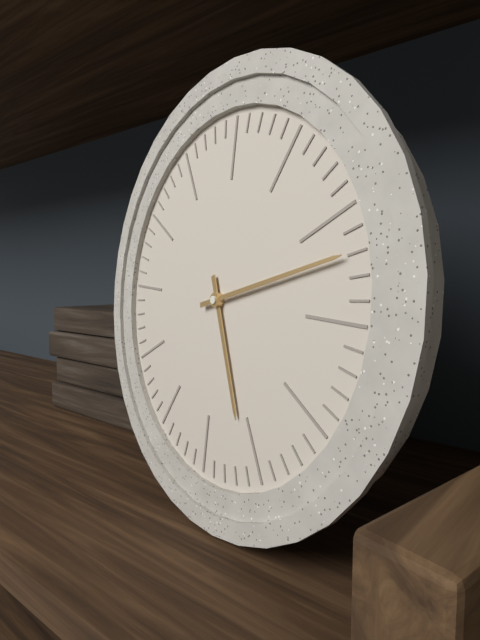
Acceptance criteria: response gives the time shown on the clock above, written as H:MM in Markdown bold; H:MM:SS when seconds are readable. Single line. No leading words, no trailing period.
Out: **5:12**
